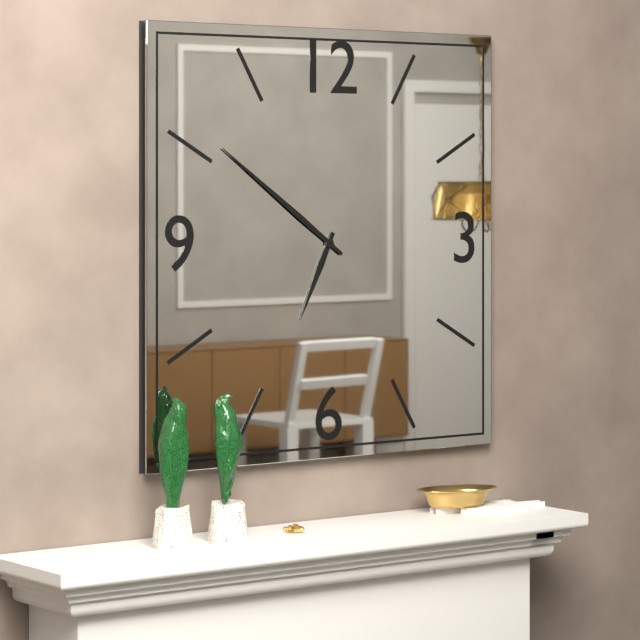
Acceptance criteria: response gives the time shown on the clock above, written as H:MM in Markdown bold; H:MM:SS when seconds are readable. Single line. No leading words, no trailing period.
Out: **6:51**
